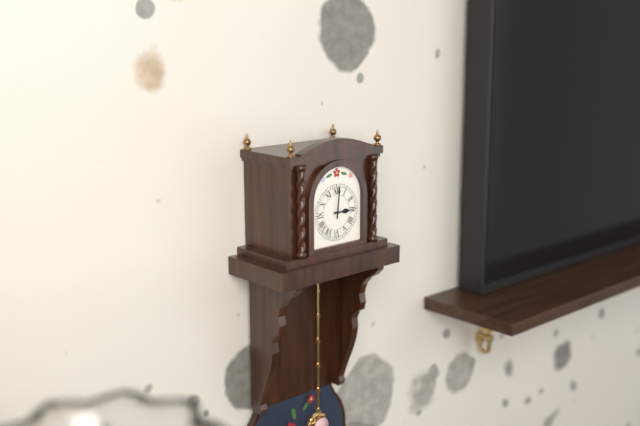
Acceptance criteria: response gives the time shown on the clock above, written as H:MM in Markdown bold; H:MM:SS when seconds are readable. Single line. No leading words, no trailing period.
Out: **3:01**
